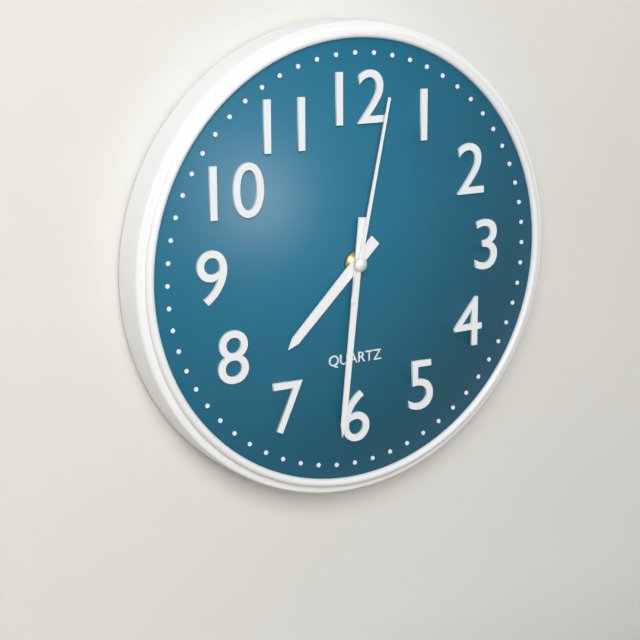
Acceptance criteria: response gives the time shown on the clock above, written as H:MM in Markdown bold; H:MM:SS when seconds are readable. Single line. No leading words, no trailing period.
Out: **7:31:02**
